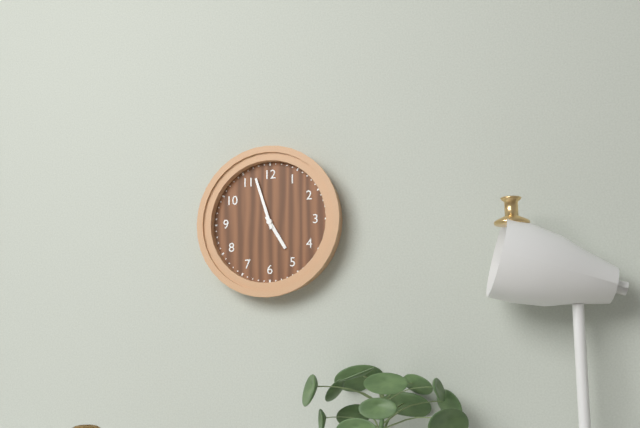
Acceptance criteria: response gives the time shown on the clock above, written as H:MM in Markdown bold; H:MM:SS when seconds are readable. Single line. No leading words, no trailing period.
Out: **4:57**
